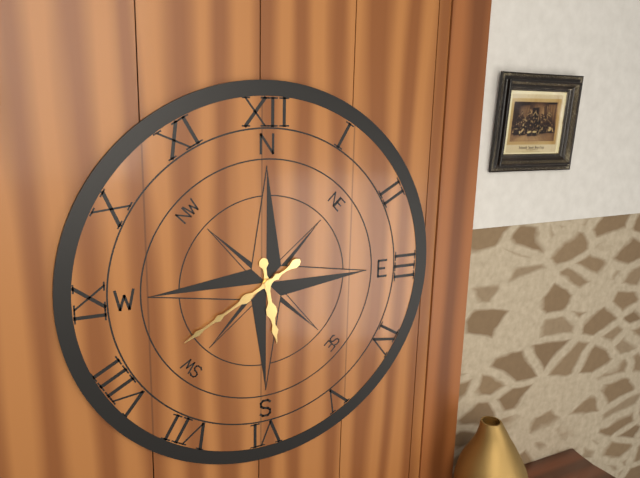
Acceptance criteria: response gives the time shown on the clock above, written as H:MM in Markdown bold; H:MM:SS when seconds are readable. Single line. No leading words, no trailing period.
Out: **5:40**
